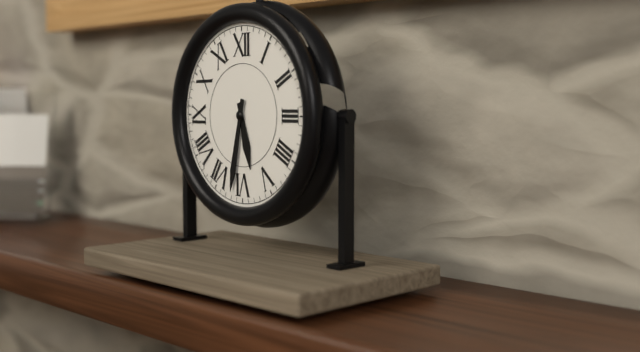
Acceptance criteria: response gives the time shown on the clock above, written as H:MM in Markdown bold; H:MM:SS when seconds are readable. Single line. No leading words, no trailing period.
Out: **5:32**
